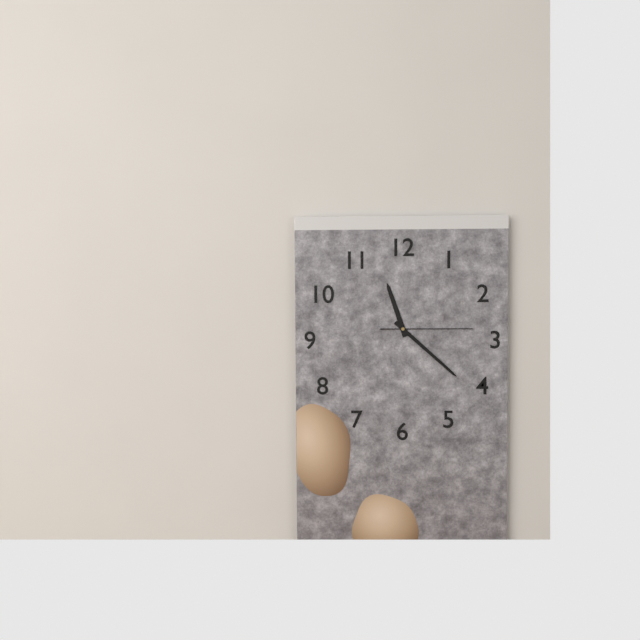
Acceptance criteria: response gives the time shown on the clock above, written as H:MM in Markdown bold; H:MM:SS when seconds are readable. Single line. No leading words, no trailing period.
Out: **11:22:15**
